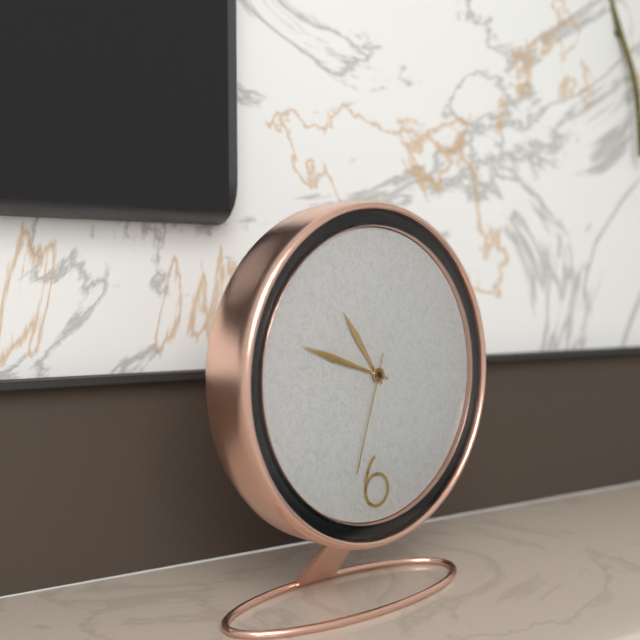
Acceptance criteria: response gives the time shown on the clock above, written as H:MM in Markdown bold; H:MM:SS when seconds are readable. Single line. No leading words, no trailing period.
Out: **10:48:33**
